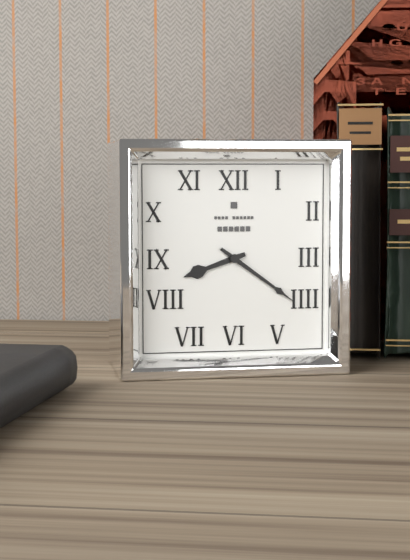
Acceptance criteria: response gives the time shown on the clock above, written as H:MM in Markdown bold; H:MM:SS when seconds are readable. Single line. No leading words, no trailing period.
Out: **8:21**
